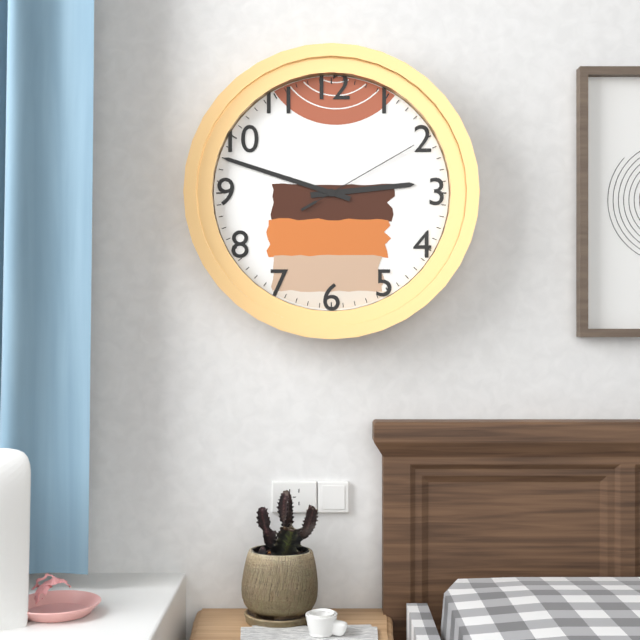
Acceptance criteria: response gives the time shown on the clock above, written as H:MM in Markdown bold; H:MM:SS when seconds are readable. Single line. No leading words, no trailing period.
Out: **2:48:10**
